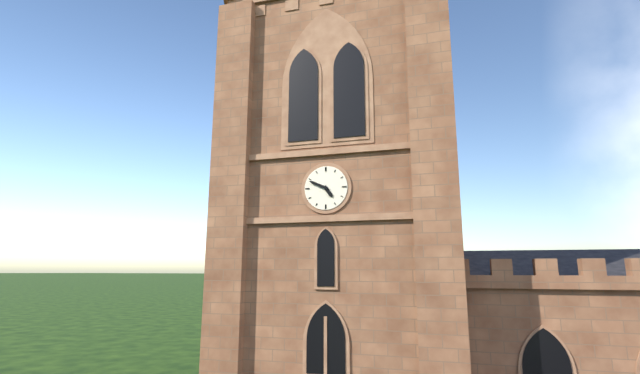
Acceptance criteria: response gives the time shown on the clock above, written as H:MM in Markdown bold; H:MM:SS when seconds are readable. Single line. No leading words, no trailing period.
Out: **4:49**
